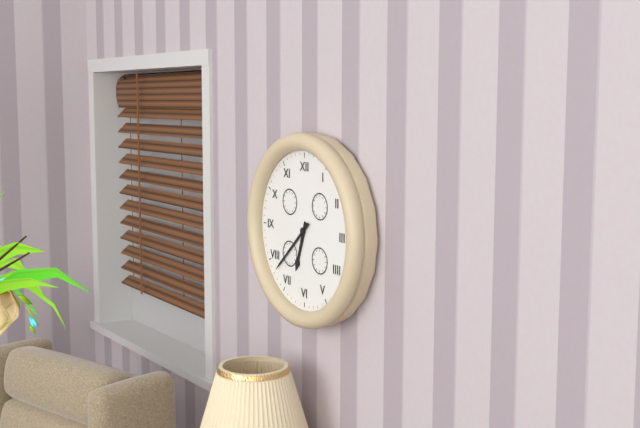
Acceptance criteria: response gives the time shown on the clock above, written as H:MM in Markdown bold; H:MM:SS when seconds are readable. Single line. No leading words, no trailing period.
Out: **6:38**
